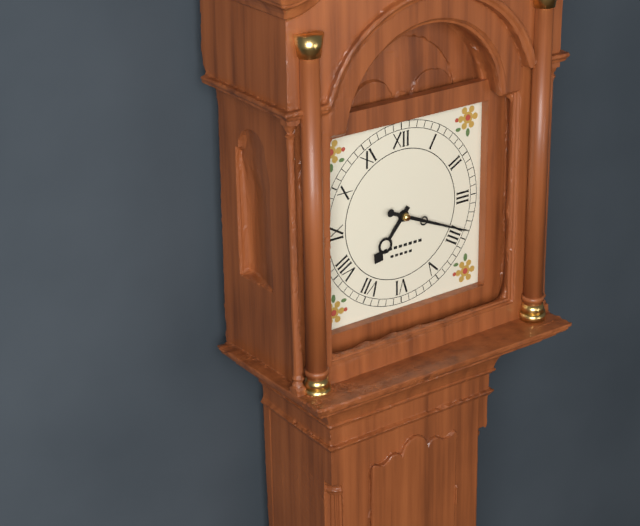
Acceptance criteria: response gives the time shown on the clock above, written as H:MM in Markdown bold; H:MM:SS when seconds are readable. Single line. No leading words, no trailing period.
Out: **7:19**
